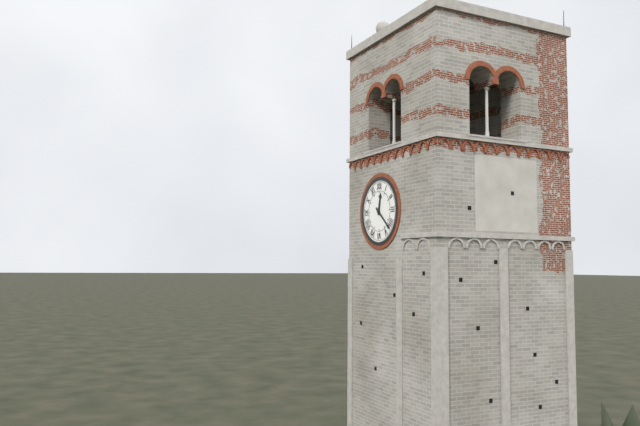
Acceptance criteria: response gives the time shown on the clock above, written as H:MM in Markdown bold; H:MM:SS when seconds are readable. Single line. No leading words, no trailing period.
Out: **12:22**
